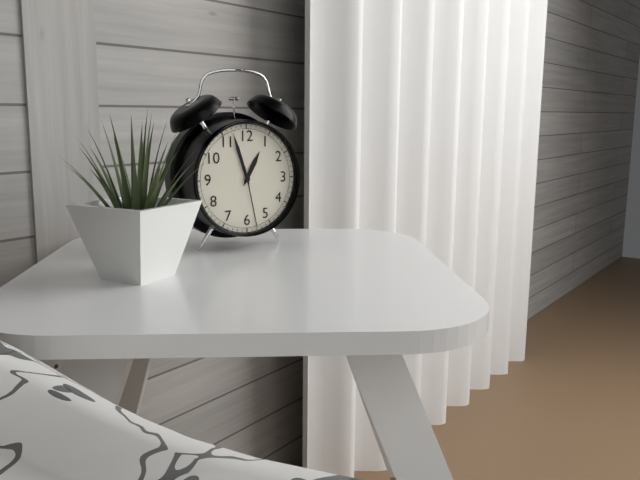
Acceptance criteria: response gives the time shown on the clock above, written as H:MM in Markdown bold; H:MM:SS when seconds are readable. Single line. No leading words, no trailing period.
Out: **12:57:28**
